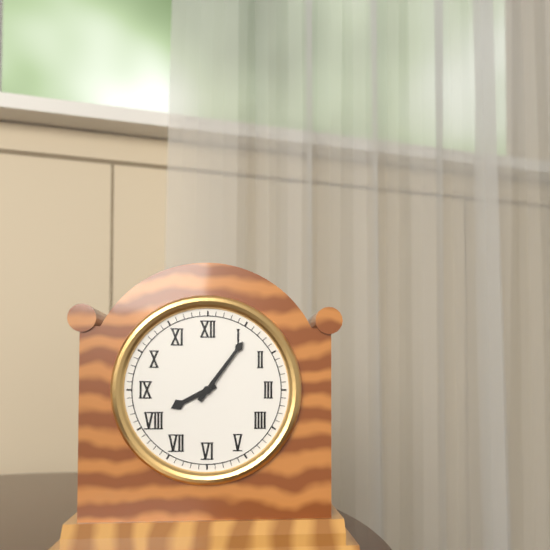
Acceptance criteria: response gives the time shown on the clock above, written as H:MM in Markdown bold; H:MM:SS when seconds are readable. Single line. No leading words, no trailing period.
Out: **8:06**
